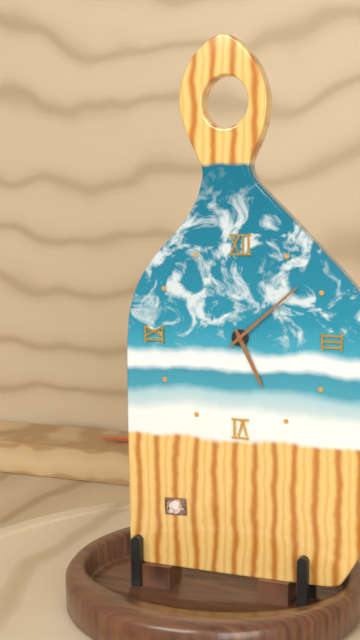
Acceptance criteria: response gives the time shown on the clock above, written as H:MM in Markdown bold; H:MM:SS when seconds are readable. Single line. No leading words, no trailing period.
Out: **5:08**
